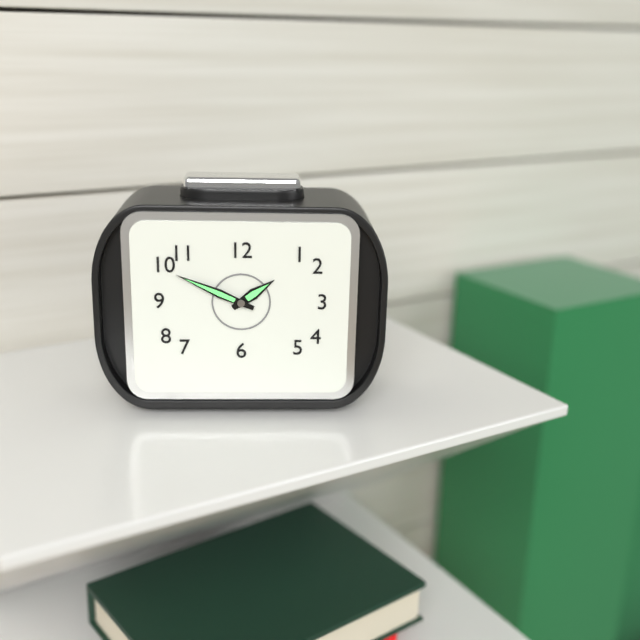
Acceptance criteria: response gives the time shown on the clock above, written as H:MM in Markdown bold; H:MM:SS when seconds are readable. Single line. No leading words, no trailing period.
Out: **1:49**
